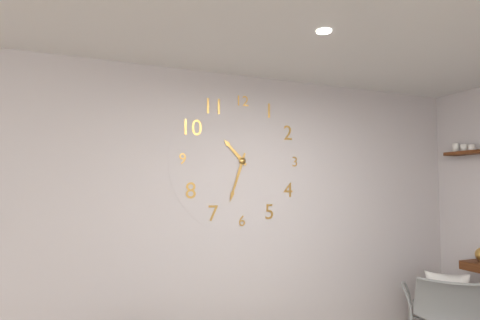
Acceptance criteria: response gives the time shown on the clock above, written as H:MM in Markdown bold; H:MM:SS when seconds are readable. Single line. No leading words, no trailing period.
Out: **10:33**
